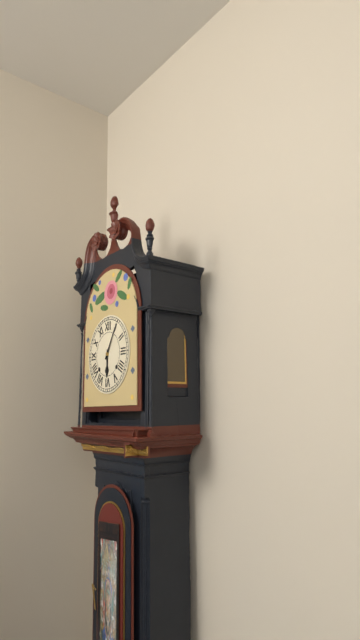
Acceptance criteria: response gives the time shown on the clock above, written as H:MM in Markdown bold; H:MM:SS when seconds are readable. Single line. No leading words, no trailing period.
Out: **6:05**
